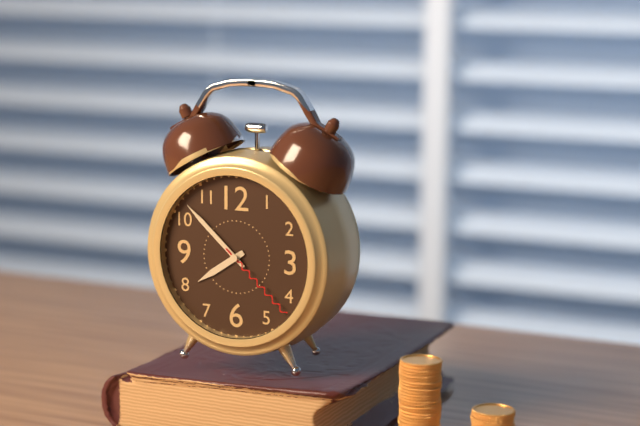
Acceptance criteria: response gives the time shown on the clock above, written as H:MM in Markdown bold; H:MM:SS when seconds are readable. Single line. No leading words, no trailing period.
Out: **7:52:22**
